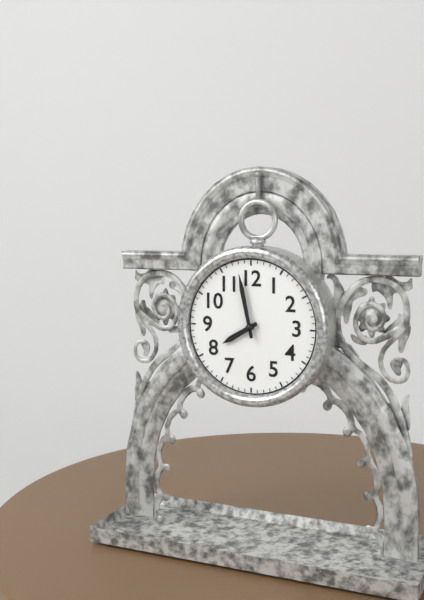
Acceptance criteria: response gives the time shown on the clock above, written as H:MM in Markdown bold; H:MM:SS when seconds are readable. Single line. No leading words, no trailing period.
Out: **7:58**
